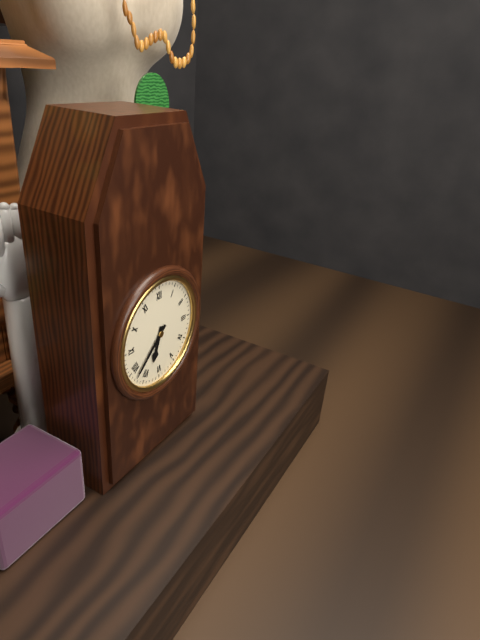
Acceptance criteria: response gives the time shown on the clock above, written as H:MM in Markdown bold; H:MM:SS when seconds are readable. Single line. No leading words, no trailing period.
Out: **6:38**
